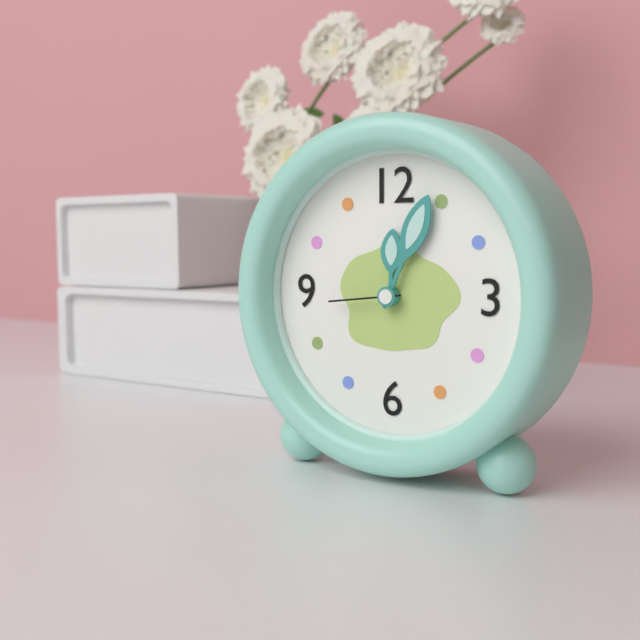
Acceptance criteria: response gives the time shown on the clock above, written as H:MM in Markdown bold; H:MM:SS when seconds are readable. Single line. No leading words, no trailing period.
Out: **12:04:44**
